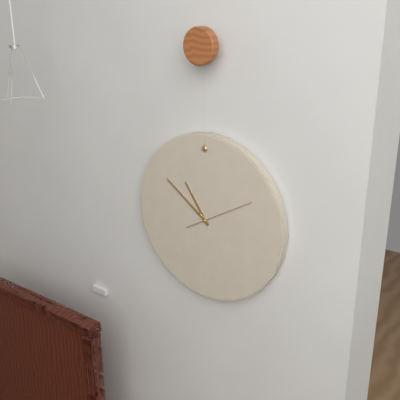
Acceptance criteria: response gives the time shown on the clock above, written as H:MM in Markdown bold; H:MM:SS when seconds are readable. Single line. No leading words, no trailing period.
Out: **10:51:10**
